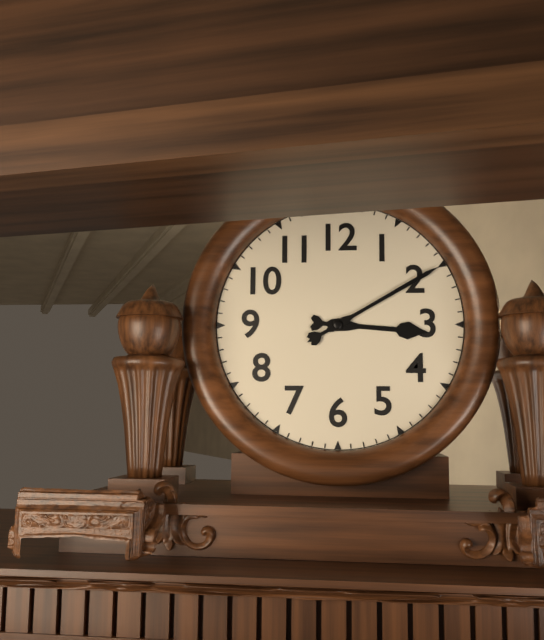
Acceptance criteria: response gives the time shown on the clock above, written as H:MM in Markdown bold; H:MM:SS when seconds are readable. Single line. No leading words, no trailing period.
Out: **3:10**
